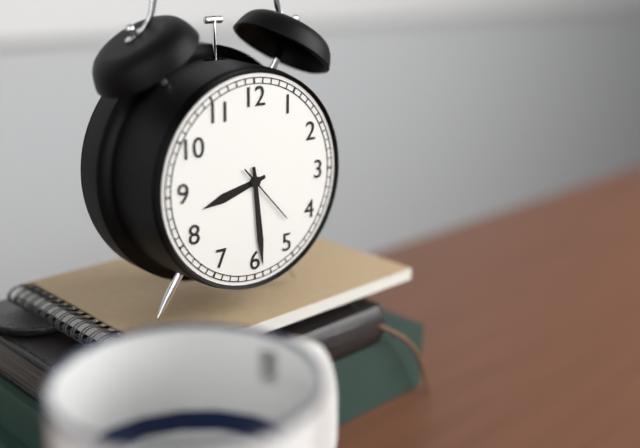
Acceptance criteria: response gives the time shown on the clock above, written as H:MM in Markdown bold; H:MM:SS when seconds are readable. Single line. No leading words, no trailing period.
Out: **8:29:23**
